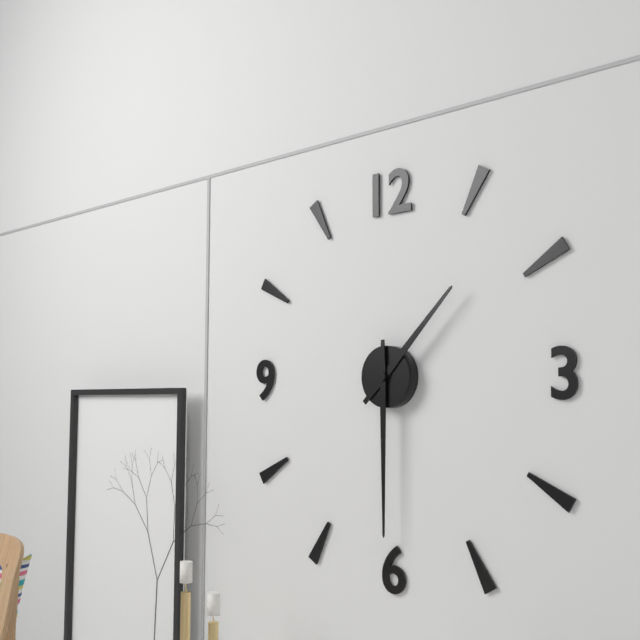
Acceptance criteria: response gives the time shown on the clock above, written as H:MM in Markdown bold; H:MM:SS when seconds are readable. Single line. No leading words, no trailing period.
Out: **1:30**
